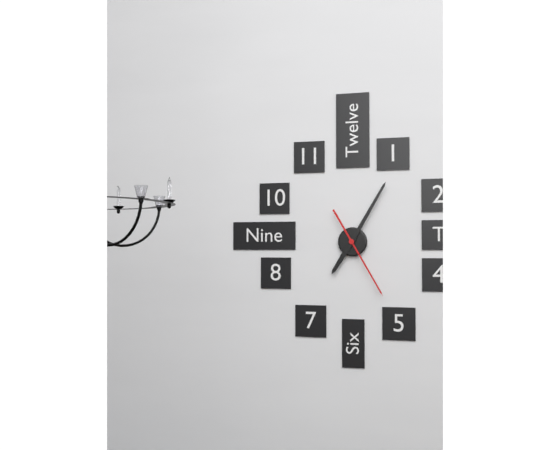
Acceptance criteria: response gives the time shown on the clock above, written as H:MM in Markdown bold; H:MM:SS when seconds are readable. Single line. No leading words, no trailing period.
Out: **7:05:25**
